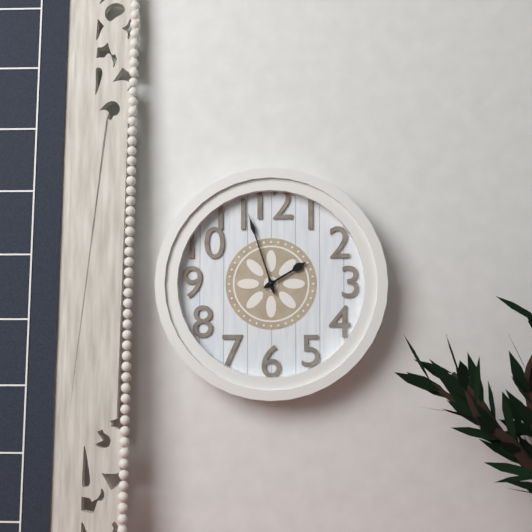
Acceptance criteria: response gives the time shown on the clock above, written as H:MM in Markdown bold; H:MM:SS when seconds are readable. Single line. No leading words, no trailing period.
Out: **1:57**
